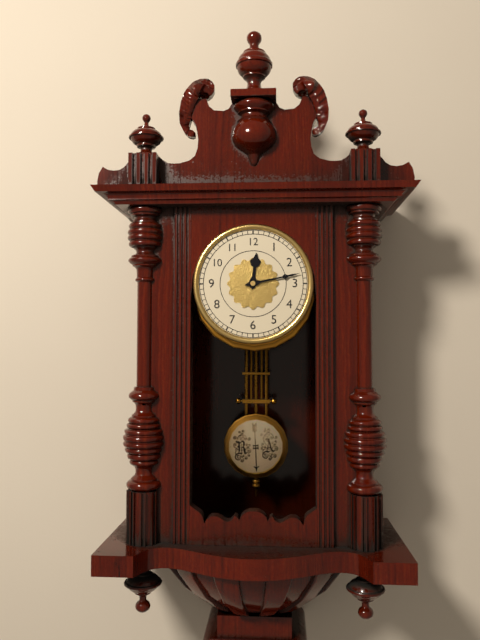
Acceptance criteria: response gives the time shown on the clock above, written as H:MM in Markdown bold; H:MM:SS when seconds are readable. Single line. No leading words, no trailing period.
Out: **12:13**
